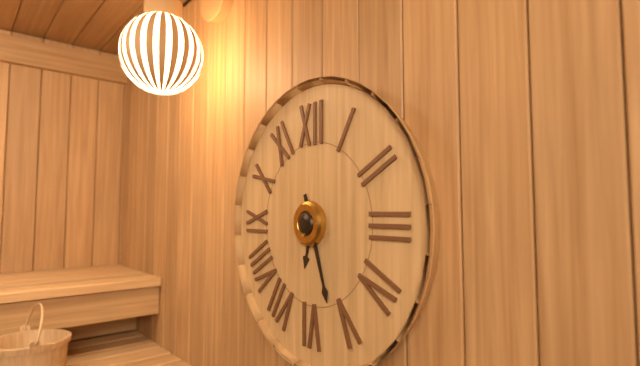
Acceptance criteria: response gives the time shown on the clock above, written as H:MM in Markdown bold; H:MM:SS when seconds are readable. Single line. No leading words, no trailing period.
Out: **6:27**
